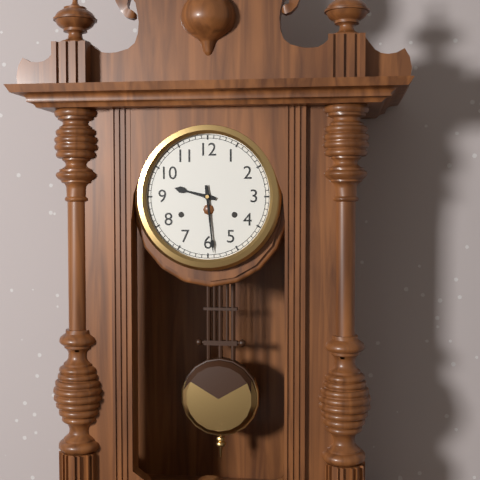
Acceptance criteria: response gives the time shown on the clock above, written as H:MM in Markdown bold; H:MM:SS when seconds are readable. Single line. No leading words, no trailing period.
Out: **9:29**
